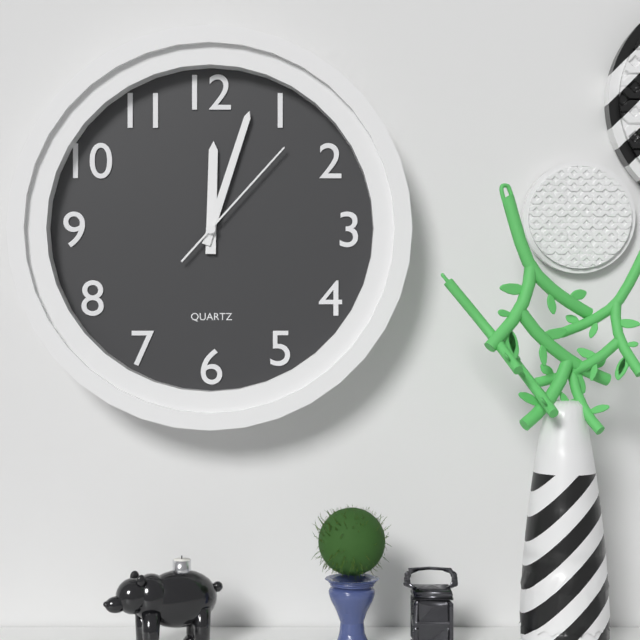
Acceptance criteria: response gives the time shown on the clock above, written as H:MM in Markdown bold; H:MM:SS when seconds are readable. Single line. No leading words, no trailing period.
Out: **12:03:07**
